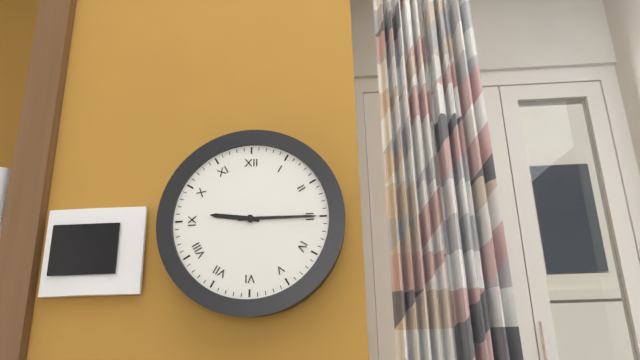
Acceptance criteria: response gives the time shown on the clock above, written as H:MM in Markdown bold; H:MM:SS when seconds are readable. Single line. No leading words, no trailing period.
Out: **9:15**
